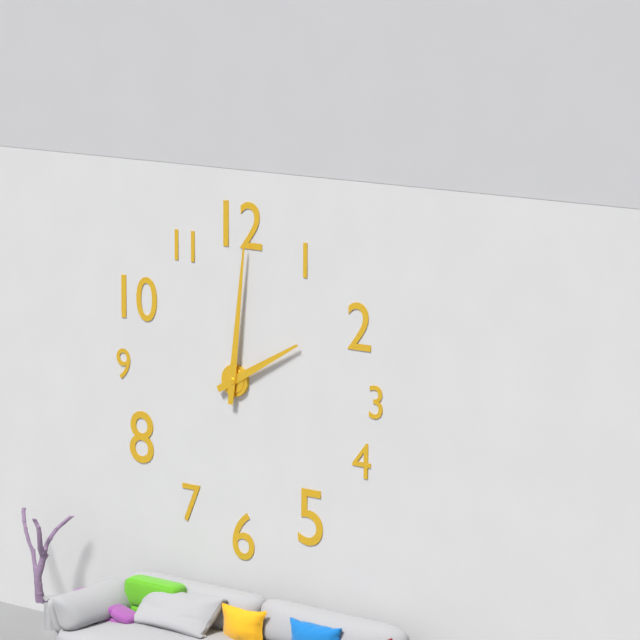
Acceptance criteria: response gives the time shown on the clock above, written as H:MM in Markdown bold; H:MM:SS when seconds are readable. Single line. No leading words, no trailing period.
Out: **2:01**
